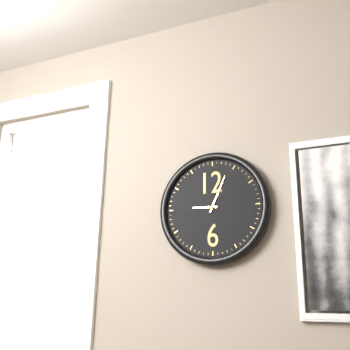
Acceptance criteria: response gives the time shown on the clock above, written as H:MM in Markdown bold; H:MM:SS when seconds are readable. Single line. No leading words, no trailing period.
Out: **9:04**
